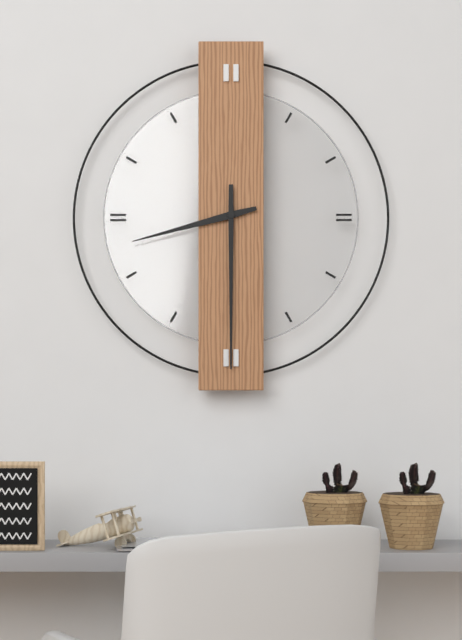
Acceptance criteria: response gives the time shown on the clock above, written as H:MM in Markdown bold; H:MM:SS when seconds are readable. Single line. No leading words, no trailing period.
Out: **8:30**
